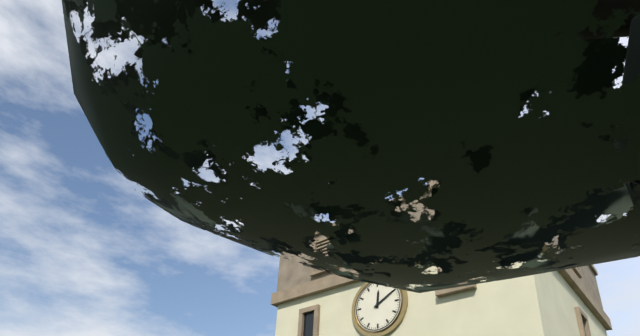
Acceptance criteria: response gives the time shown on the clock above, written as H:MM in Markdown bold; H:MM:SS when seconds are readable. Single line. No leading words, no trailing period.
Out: **12:10**
